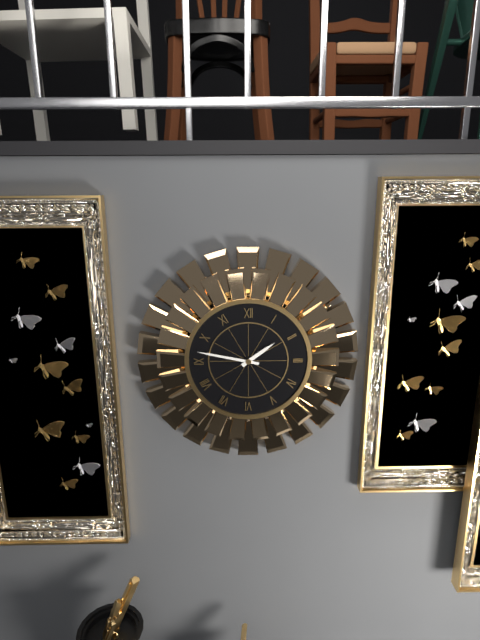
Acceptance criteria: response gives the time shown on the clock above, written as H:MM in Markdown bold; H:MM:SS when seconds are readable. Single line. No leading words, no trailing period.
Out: **1:47**
